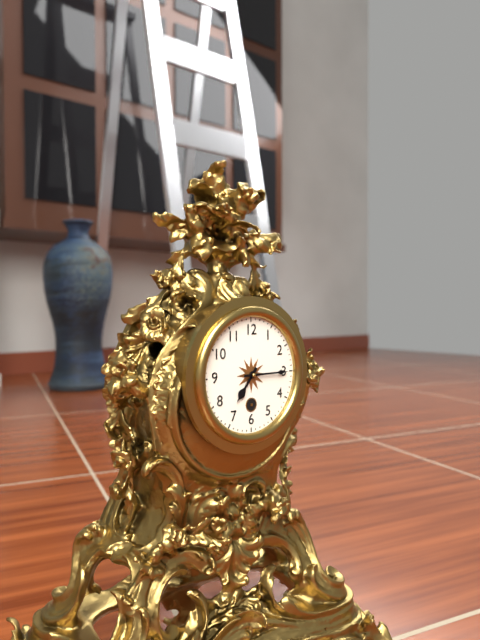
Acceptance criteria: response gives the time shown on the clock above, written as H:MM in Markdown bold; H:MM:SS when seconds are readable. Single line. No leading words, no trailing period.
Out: **7:15**
